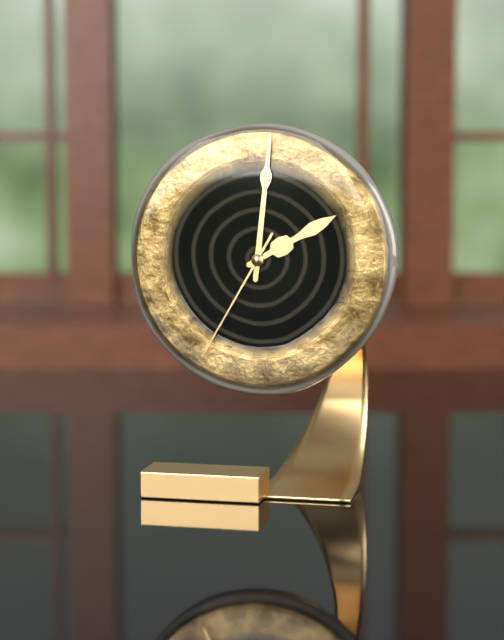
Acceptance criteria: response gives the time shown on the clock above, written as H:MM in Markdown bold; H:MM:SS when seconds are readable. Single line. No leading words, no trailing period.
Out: **2:01:35**
